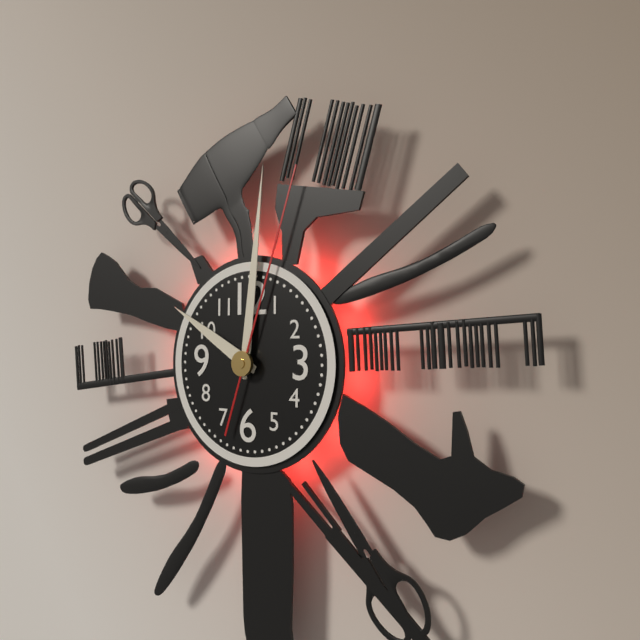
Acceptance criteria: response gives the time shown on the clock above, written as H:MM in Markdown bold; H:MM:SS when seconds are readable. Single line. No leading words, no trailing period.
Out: **10:01:03**
